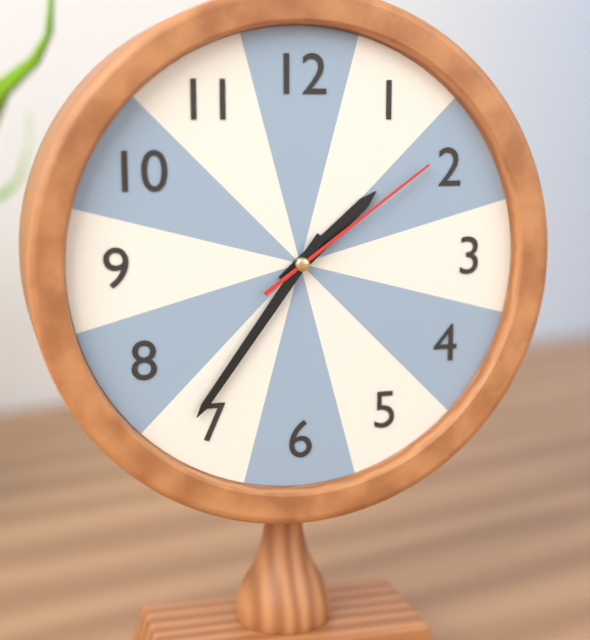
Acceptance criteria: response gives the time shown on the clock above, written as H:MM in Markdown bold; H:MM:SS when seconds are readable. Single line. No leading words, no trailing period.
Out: **1:36:09**
